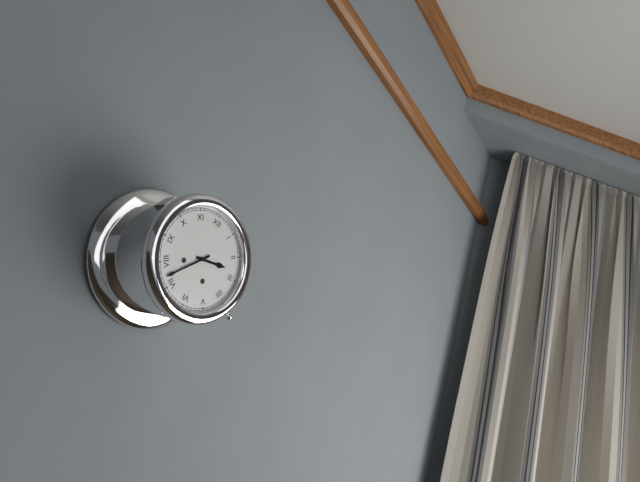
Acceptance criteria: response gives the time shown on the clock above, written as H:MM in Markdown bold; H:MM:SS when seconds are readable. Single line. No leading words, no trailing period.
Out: **2:37**
